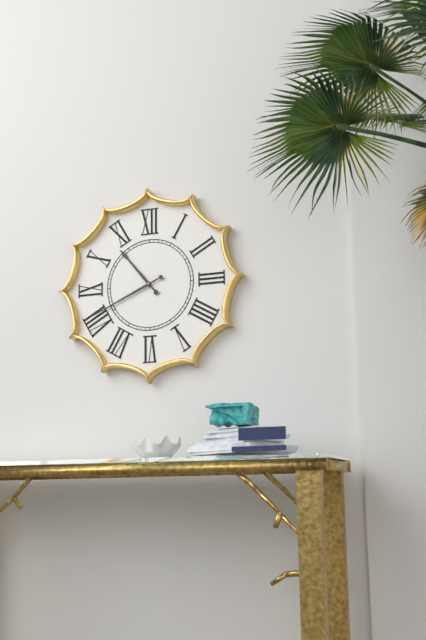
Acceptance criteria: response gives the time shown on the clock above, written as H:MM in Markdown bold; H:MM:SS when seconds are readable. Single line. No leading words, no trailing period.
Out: **10:41**
